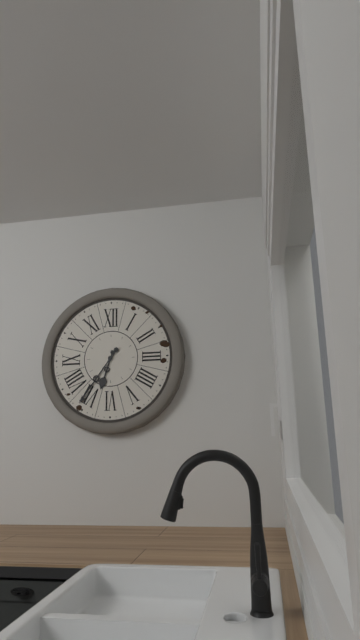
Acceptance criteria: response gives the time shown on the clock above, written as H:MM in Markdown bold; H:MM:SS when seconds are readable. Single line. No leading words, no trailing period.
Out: **6:36**
